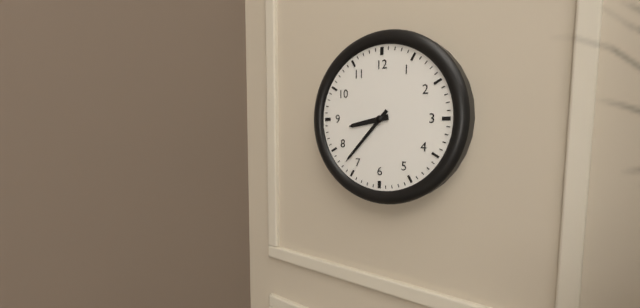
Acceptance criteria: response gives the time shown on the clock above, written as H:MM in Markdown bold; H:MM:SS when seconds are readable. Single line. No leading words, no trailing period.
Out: **8:37**
